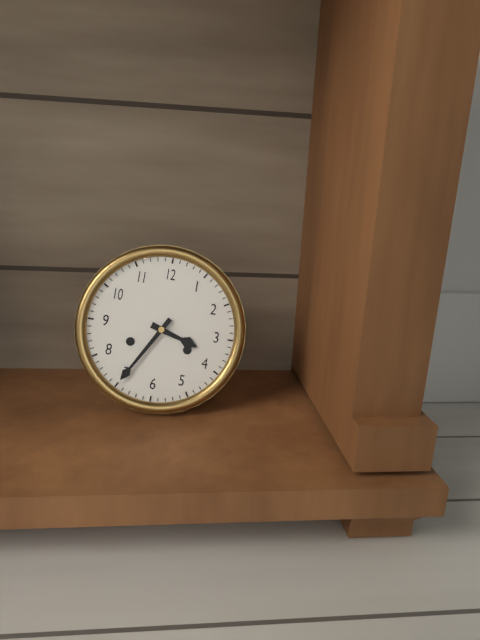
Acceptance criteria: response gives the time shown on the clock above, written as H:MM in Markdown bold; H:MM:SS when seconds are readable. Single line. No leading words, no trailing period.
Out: **3:35**
